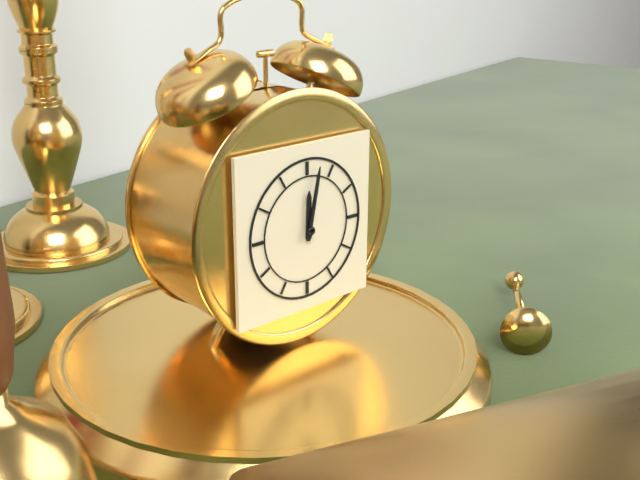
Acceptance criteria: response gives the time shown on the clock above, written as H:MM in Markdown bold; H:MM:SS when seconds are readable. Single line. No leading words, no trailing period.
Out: **12:02**
